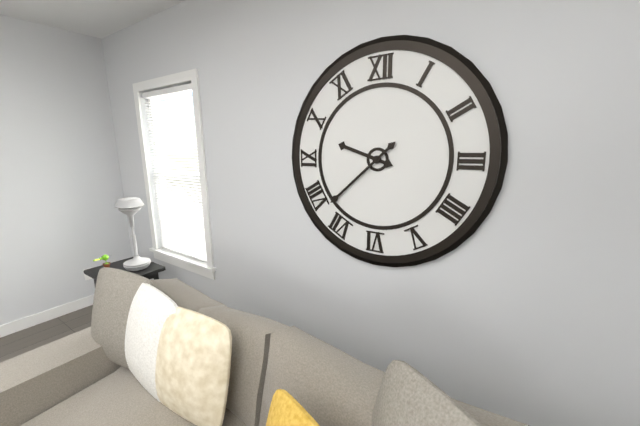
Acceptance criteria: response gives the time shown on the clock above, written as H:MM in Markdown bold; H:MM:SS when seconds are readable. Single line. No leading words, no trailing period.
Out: **9:38**
